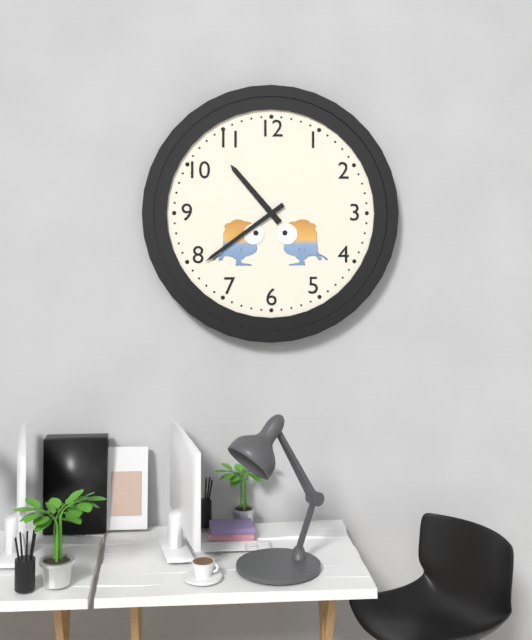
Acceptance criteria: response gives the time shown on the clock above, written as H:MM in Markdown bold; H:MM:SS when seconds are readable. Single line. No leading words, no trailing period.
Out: **10:39**
